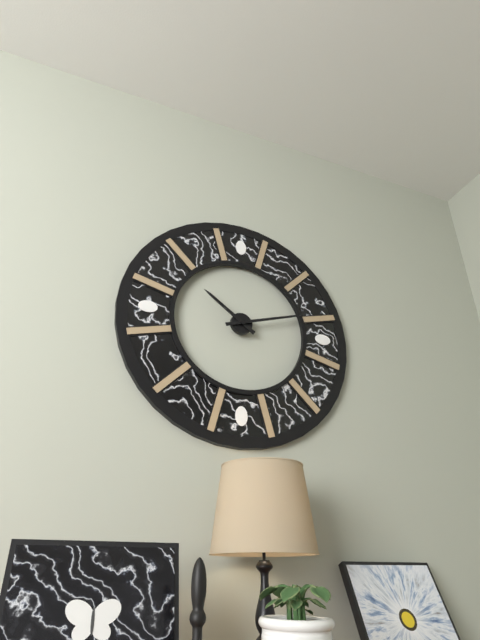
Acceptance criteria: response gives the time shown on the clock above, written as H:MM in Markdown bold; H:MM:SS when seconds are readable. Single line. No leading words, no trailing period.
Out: **10:12**
